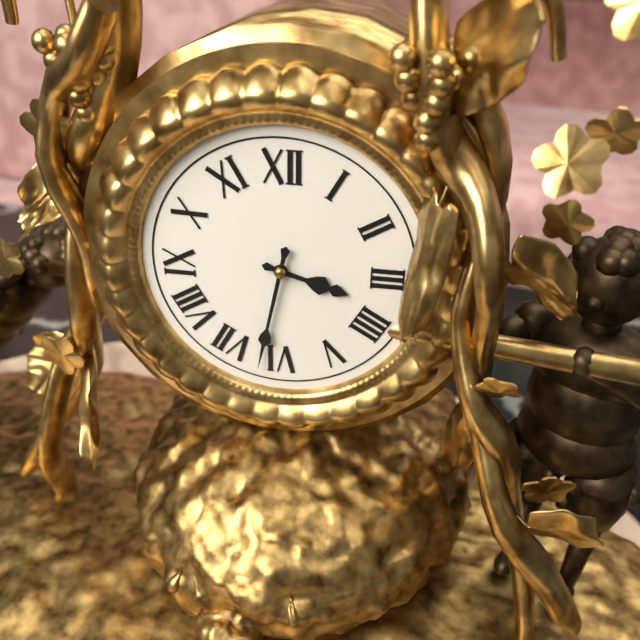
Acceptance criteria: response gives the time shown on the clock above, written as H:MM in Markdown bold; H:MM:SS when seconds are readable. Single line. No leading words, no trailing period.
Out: **3:32**
